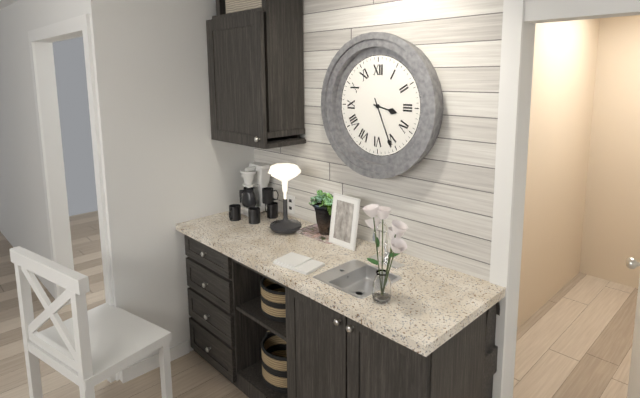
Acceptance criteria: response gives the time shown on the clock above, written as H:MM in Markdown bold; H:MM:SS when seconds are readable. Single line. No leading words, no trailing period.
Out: **3:26**
